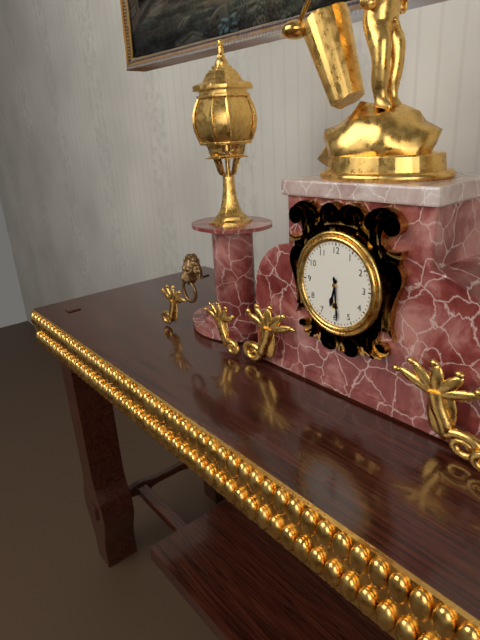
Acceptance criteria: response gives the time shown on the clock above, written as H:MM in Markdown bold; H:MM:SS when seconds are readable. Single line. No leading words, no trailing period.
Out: **6:29**
